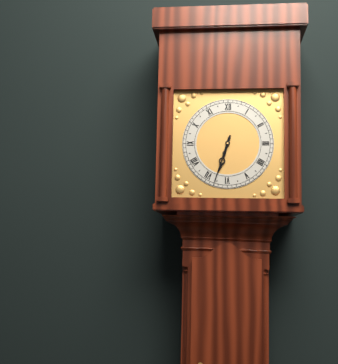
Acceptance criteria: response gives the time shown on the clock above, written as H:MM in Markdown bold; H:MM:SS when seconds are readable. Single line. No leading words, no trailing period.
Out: **6:33**
